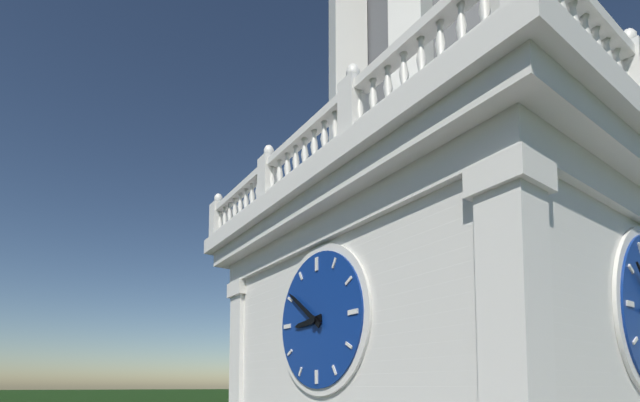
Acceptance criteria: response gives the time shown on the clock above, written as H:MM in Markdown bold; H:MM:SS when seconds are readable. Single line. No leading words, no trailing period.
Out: **8:51**
